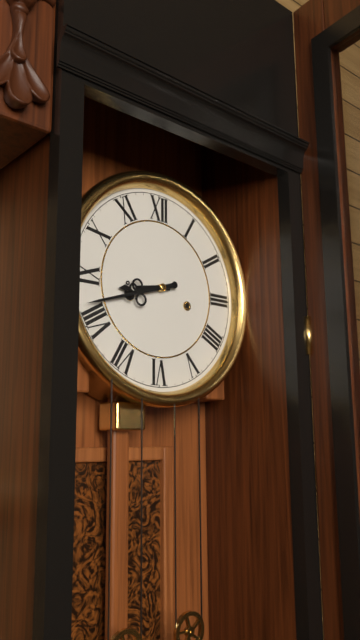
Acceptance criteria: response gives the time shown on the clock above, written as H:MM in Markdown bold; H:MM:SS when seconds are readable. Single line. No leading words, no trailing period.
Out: **8:42**
